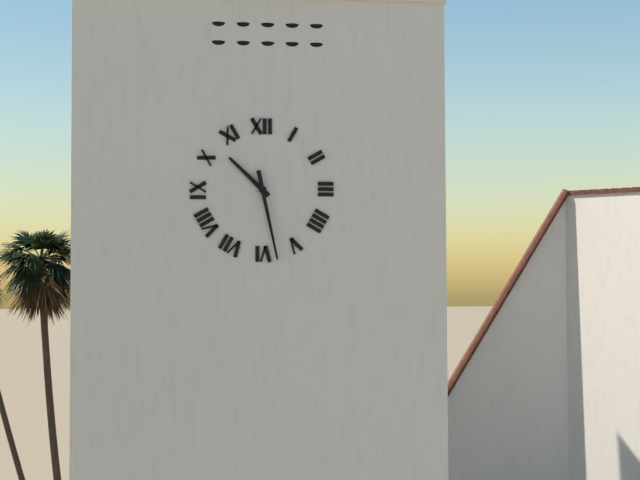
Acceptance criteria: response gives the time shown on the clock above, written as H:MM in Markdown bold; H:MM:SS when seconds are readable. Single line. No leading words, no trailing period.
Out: **10:28**
